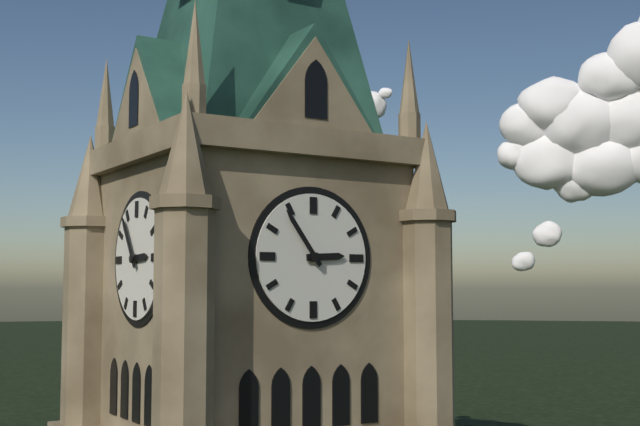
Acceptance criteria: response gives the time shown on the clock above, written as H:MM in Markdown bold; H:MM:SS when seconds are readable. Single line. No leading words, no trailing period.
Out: **2:54**
